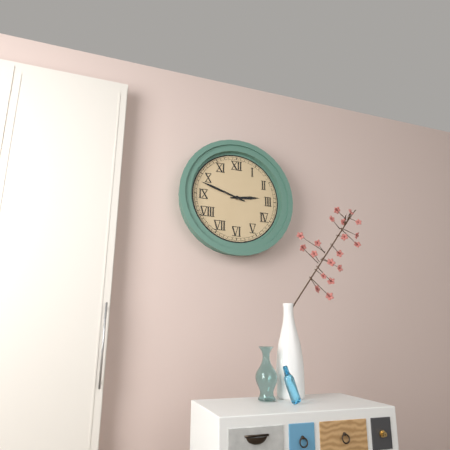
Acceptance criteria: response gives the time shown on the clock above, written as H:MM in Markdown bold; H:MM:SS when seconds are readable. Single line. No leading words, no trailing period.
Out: **2:48**
